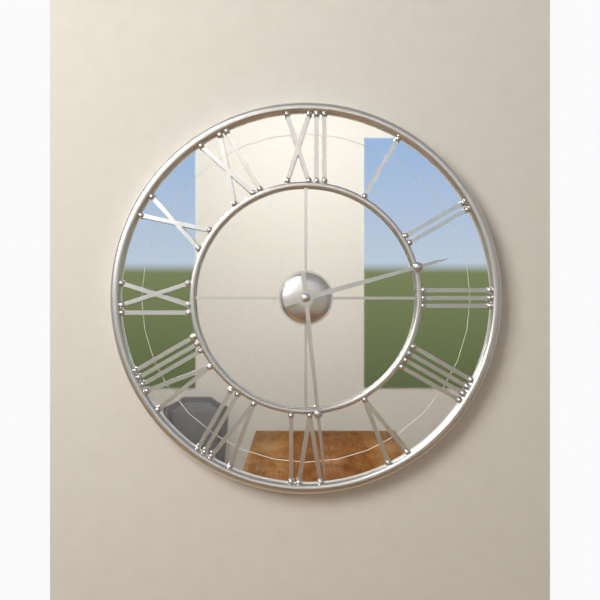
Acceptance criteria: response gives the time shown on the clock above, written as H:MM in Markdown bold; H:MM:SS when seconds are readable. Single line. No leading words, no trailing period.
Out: **2:29**
